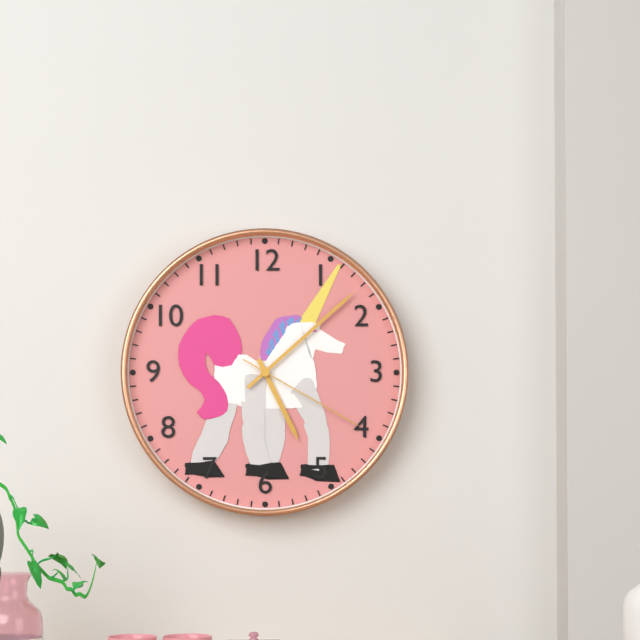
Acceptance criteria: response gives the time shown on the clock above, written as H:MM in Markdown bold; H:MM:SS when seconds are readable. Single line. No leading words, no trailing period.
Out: **5:08:20**
